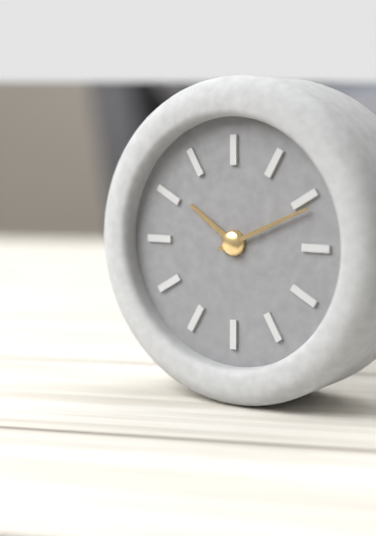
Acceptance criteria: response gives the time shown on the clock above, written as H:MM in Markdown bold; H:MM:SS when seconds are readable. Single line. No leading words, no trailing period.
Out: **10:11**
